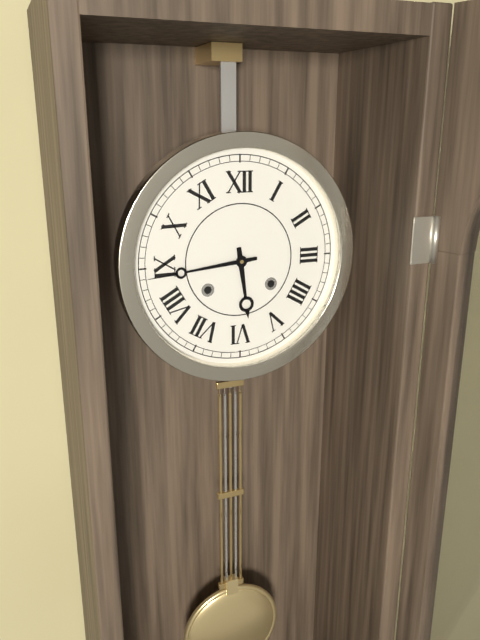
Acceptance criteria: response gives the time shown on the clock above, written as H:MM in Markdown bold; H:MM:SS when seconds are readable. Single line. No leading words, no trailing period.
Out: **5:44**
